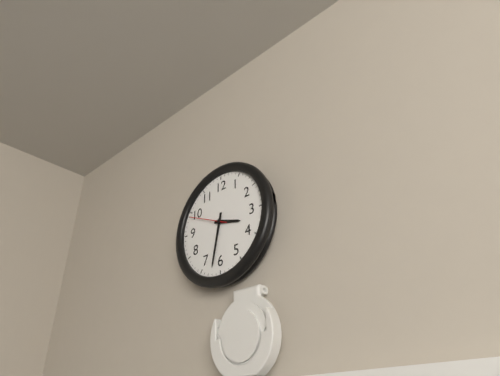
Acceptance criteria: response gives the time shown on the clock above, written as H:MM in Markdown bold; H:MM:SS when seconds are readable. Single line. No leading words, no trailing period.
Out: **3:32**
